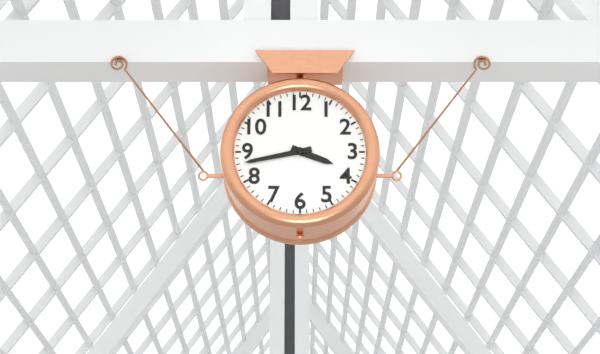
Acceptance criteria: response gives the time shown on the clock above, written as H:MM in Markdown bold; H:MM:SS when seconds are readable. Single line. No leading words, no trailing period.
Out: **3:43**
